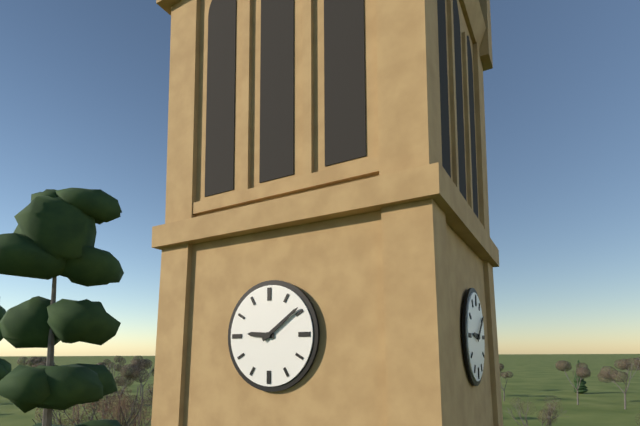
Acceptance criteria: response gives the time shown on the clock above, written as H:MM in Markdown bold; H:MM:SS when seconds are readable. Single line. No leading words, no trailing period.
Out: **9:09**
